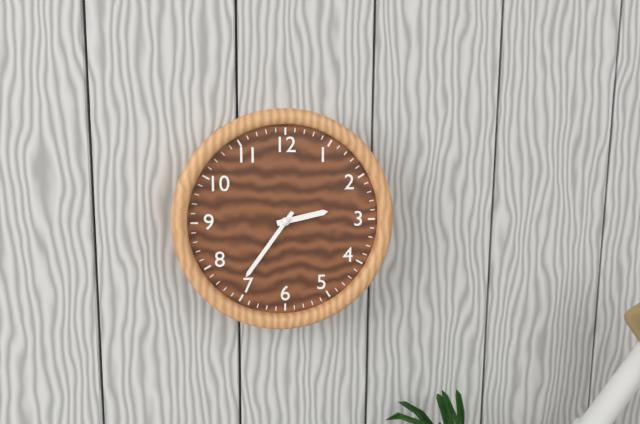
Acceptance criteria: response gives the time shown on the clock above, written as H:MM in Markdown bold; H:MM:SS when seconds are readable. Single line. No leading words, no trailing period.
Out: **2:36**
